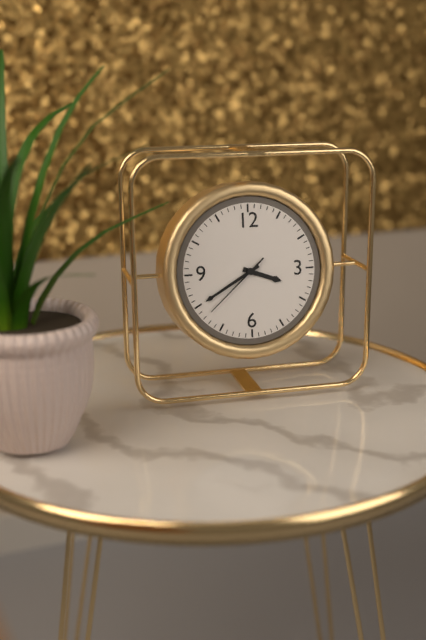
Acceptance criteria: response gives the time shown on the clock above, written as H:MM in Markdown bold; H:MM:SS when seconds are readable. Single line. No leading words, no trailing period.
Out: **3:40:38**
